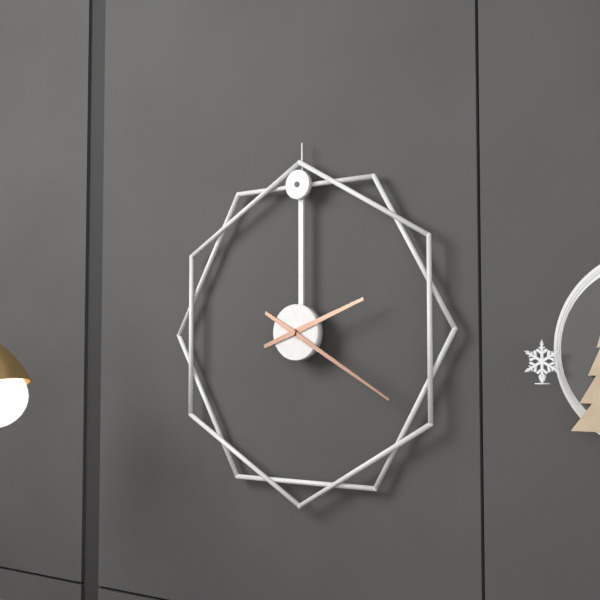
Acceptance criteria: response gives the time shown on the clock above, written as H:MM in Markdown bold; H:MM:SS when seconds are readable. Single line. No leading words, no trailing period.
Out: **2:20**
